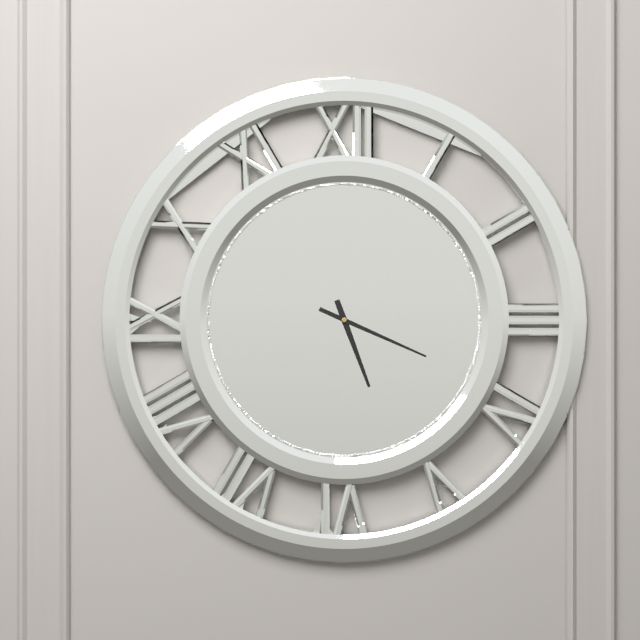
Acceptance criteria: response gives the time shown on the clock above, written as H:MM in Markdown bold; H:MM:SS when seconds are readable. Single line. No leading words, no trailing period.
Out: **5:19**
